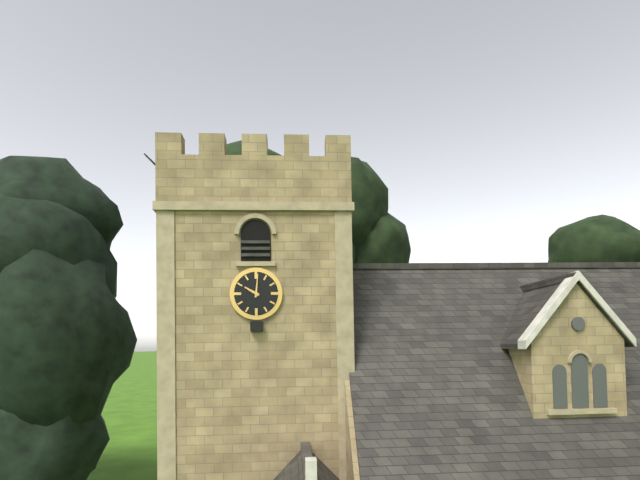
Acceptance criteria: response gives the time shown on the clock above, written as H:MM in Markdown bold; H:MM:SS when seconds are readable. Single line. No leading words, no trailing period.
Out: **10:01**
